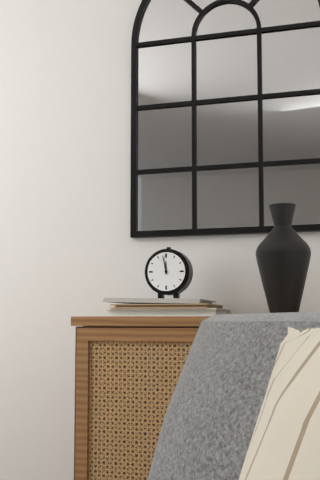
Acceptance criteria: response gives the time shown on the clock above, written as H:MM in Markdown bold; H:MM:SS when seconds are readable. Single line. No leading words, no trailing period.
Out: **11:58**
